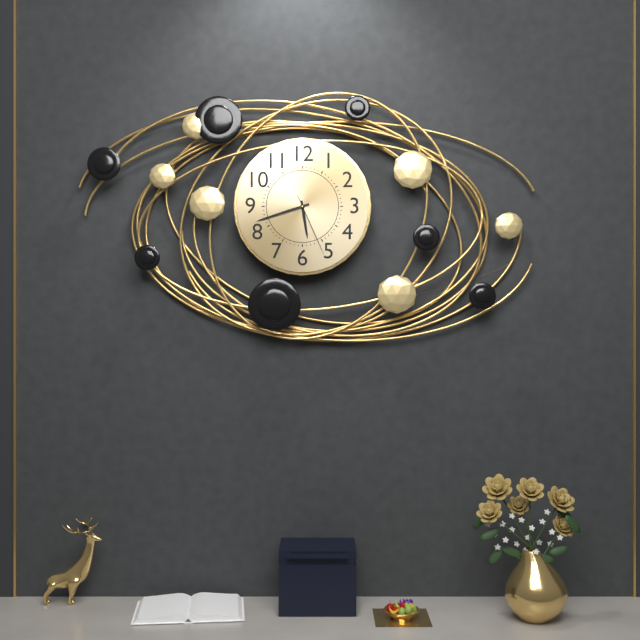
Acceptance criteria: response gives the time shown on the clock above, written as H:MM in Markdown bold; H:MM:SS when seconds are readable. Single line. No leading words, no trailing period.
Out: **5:42:26**
